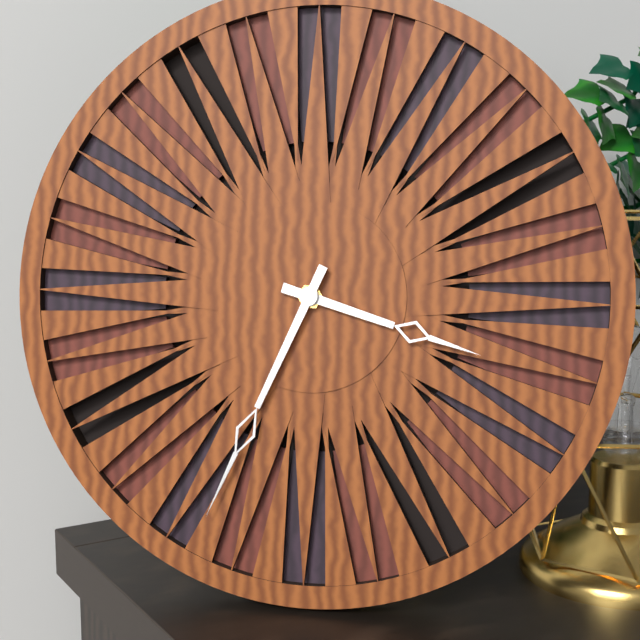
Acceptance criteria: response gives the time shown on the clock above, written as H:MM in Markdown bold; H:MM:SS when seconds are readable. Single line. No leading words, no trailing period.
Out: **3:34**
